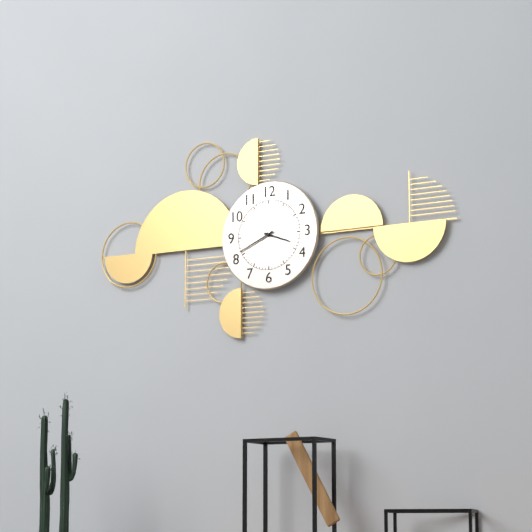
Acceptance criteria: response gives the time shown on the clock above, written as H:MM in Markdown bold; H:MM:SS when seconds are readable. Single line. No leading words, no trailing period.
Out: **3:41**
